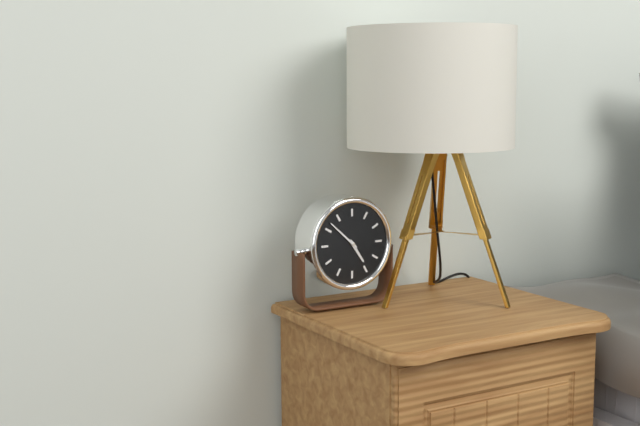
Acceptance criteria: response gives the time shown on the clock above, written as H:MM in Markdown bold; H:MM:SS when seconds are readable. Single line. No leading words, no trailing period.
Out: **4:52**
